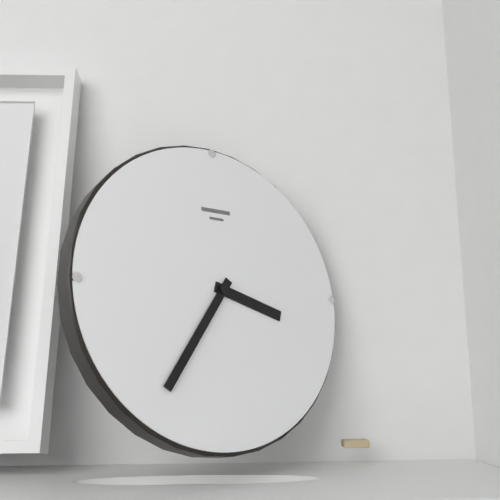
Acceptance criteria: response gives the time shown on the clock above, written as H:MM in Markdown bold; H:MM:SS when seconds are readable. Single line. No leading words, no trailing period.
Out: **3:36**
